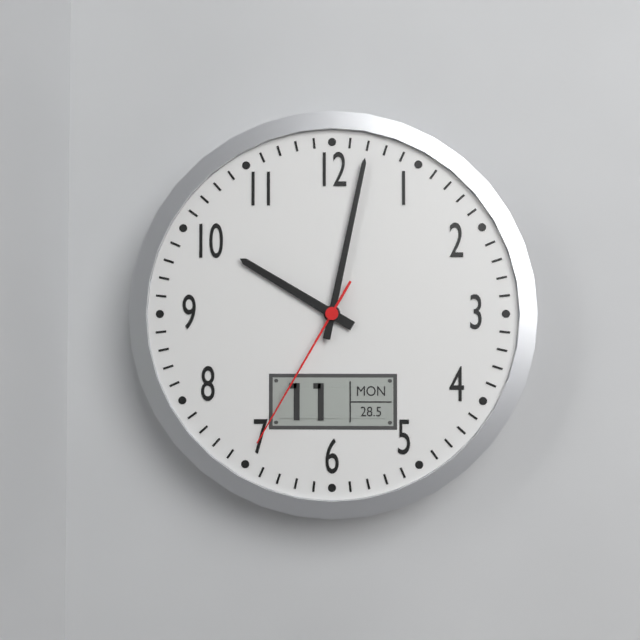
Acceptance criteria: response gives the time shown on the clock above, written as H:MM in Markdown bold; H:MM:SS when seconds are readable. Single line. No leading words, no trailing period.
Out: **10:02:35**
